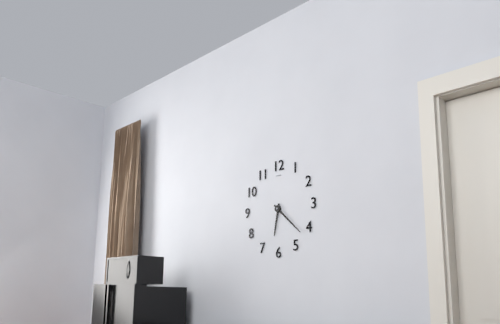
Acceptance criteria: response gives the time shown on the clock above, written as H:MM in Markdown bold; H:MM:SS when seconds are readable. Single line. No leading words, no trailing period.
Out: **6:22**
